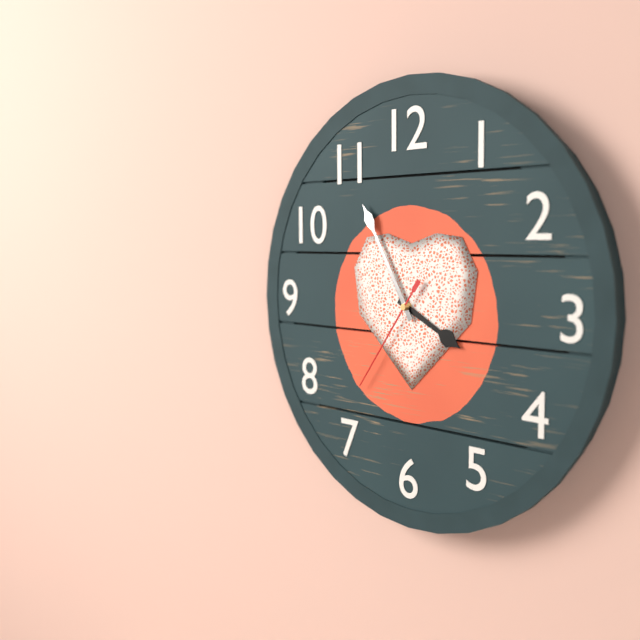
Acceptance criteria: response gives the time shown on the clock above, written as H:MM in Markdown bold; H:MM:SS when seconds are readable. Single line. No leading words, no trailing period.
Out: **3:55:36**
